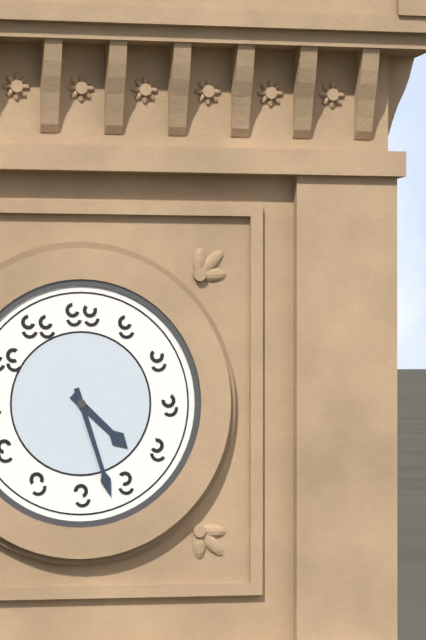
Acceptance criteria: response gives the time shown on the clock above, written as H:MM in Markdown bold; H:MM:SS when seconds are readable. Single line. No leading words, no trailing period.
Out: **4:27**
